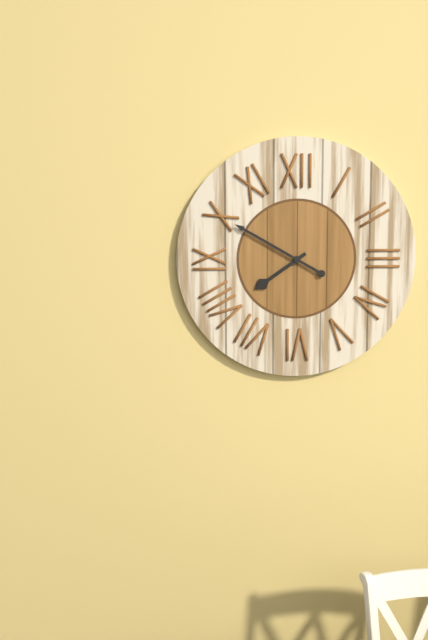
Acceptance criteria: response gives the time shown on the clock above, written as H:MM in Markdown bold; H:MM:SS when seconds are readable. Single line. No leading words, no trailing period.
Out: **7:50**
